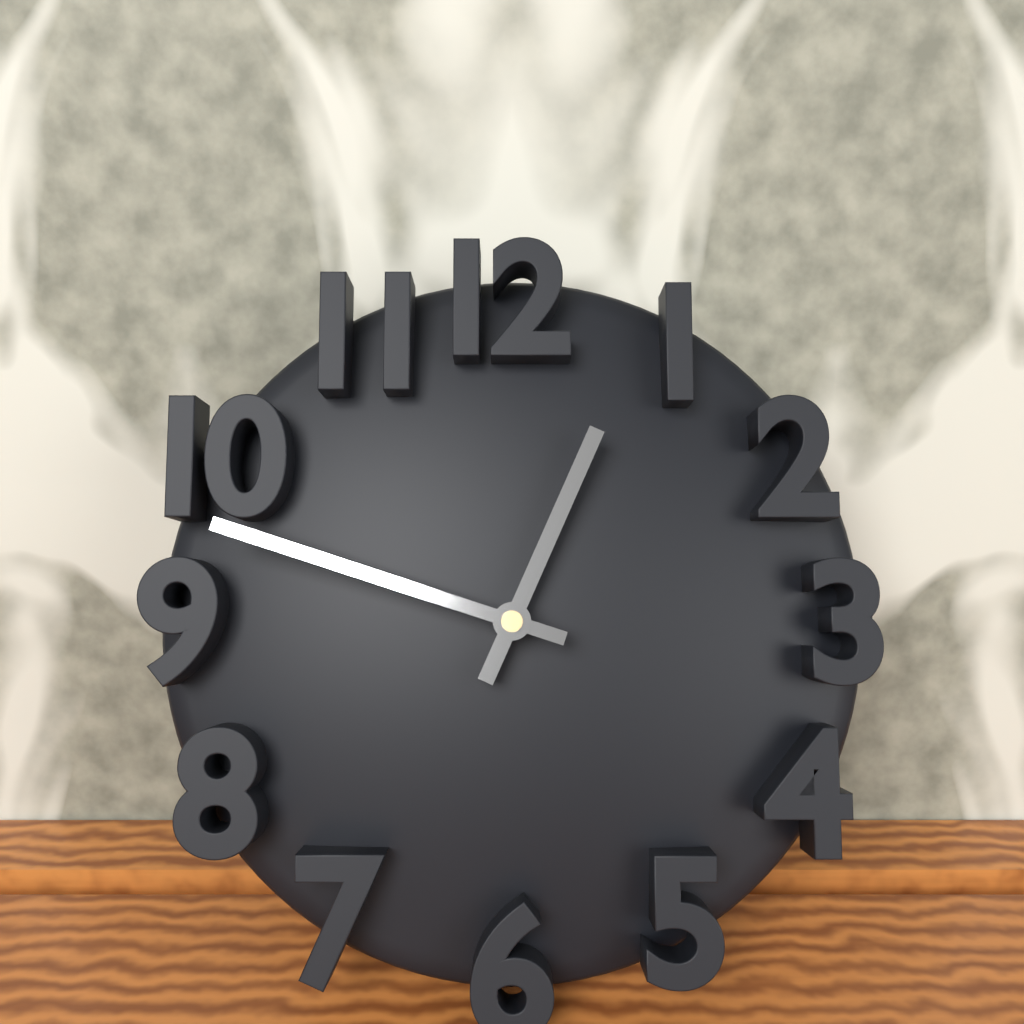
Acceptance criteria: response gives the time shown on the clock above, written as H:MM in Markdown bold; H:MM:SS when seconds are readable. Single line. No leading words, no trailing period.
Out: **12:48**
